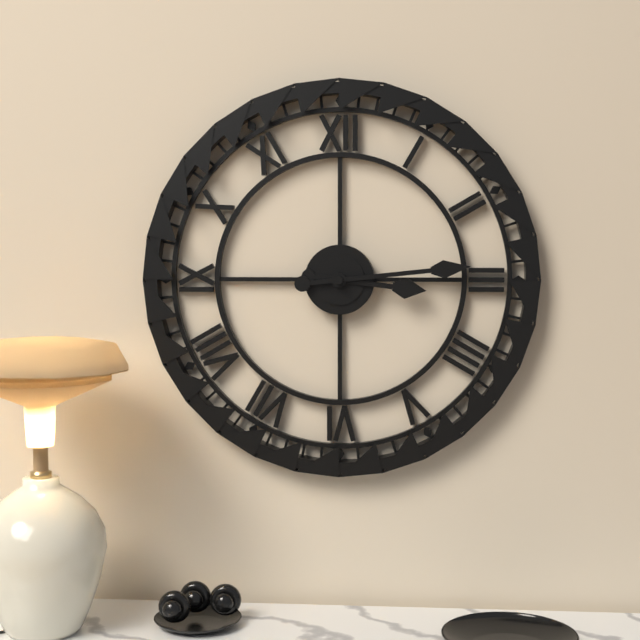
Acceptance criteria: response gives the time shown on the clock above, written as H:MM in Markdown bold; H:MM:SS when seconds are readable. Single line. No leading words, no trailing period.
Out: **3:14**
